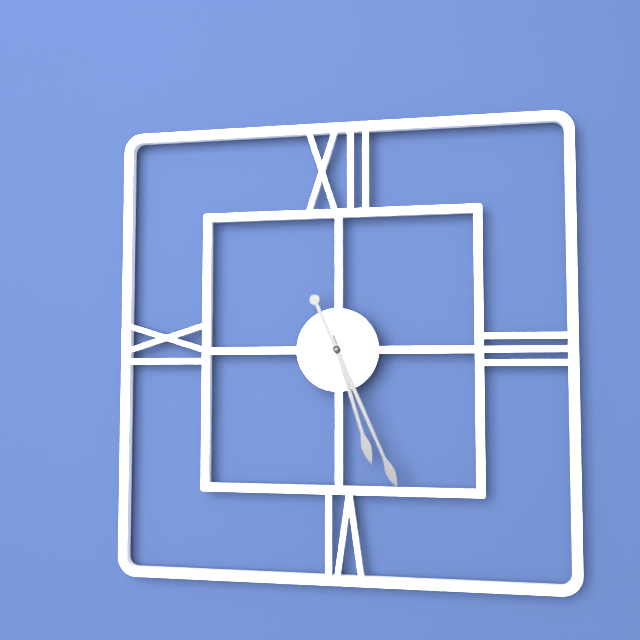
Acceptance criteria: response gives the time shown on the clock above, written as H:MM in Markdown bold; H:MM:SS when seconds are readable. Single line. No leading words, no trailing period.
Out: **5:26**
